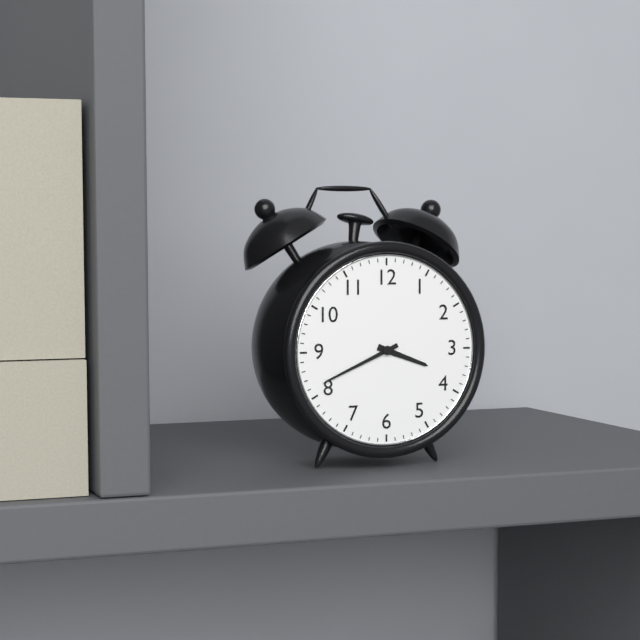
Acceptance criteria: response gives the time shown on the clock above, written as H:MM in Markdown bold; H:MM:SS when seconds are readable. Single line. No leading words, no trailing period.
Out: **3:41**
